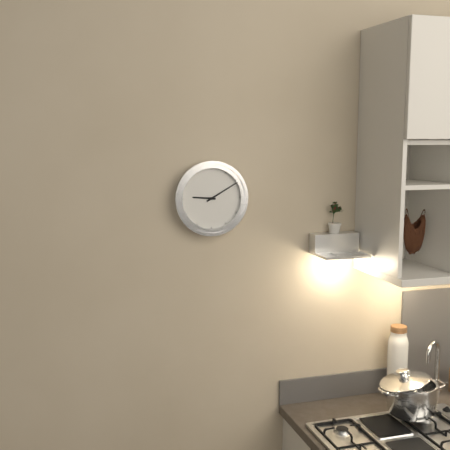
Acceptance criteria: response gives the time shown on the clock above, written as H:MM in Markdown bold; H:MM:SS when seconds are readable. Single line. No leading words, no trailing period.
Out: **9:10**
